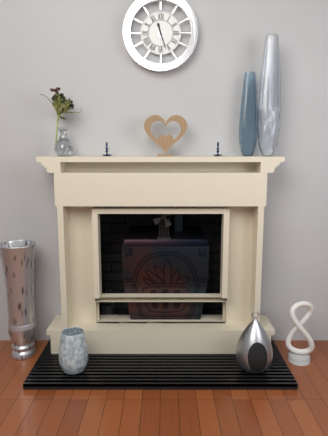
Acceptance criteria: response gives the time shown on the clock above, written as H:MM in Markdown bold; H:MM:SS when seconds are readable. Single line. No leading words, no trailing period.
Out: **11:27**
